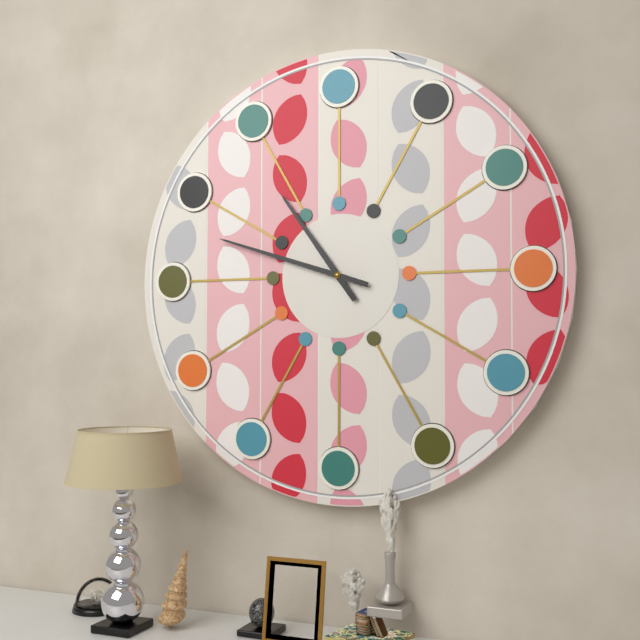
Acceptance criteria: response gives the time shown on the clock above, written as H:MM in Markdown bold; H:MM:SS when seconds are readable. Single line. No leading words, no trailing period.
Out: **10:48**
